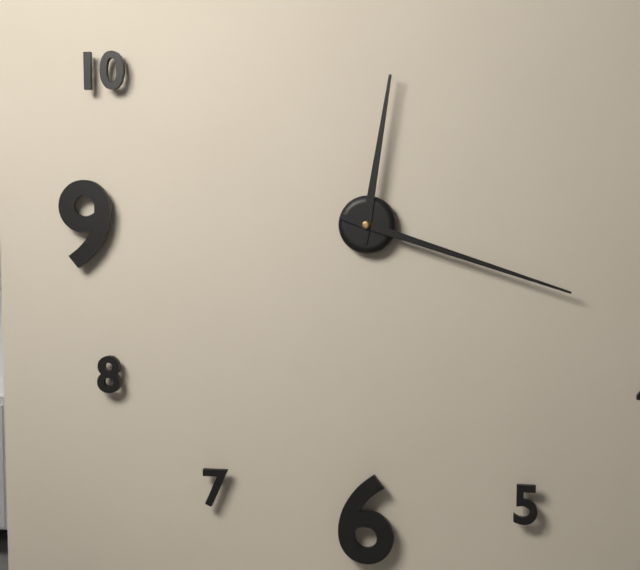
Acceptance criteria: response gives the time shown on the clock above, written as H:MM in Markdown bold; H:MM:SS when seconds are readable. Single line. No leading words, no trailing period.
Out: **12:18**
